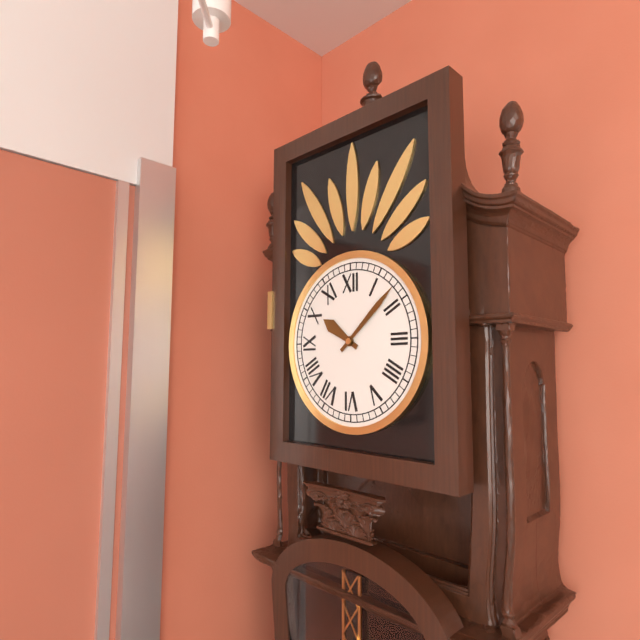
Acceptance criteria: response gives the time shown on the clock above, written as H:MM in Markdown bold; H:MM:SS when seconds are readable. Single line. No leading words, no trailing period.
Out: **10:08**
